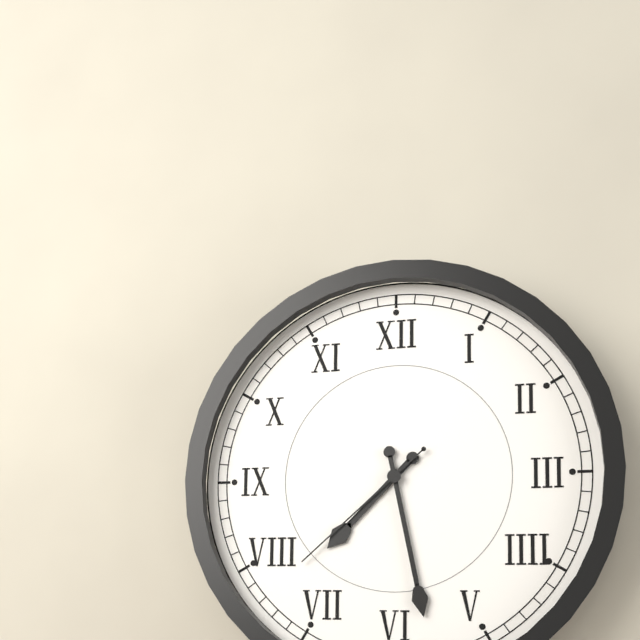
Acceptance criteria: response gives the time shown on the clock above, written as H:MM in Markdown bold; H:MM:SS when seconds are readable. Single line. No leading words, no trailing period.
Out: **7:28:38**
